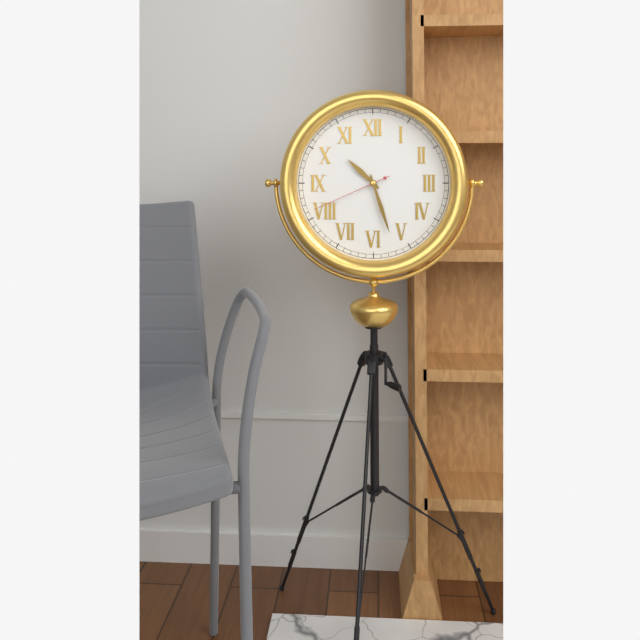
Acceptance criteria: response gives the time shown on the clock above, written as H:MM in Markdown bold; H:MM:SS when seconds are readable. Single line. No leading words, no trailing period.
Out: **10:27:41**
